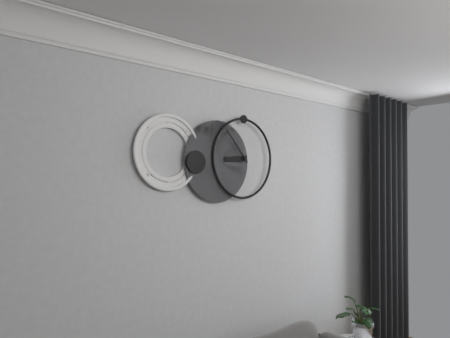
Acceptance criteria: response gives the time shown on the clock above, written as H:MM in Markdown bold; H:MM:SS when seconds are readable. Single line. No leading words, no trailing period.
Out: **8:53**
